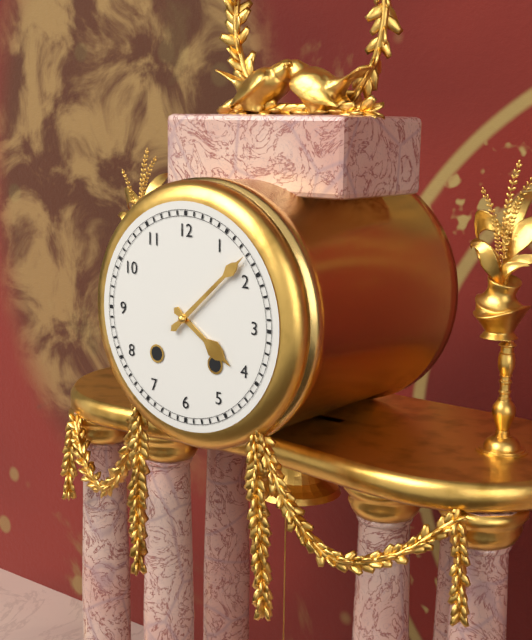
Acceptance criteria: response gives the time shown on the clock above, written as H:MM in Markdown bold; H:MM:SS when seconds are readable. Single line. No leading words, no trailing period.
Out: **4:08**
